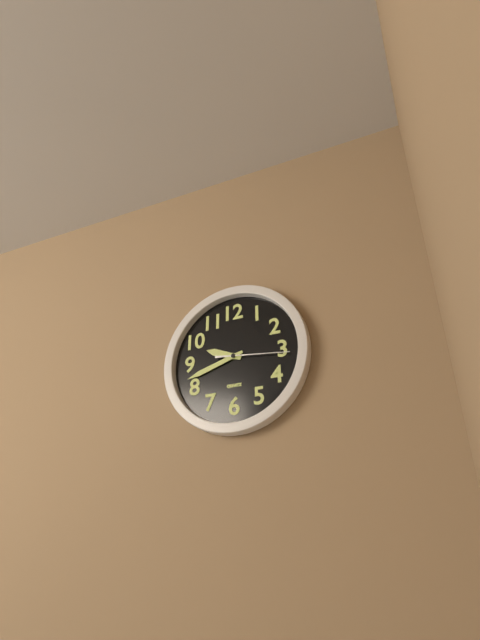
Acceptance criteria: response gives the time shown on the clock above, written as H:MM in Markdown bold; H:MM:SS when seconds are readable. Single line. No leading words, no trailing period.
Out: **9:42:16**
